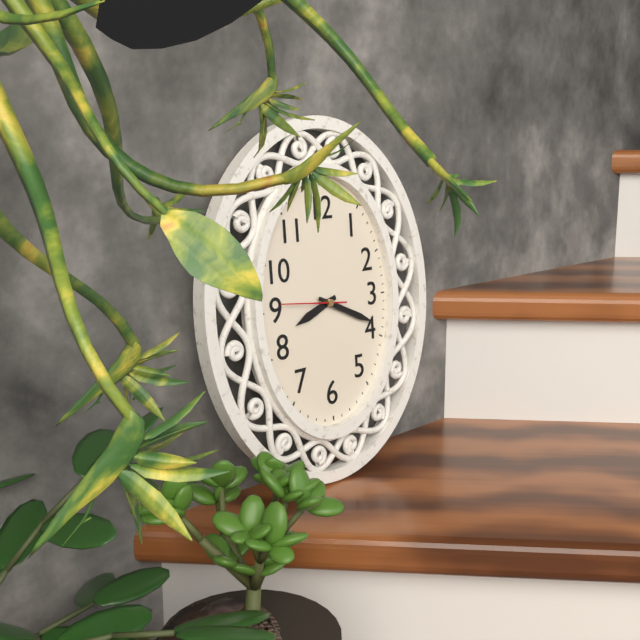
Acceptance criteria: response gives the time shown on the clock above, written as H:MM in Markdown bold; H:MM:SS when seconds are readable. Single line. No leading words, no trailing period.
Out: **8:19:46**
